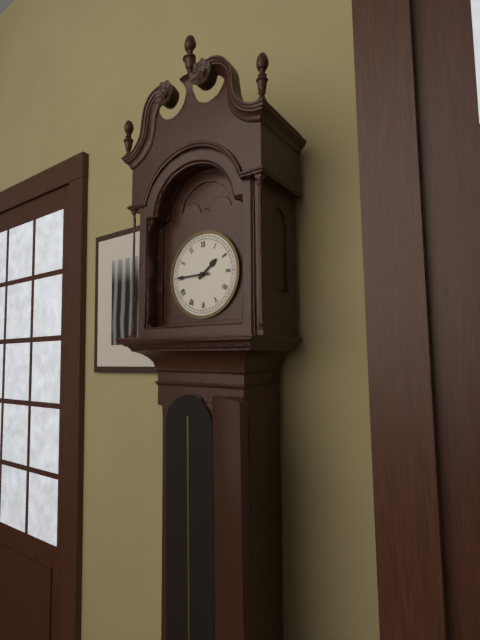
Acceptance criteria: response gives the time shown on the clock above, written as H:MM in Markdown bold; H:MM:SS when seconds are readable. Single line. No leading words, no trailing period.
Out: **1:45**
